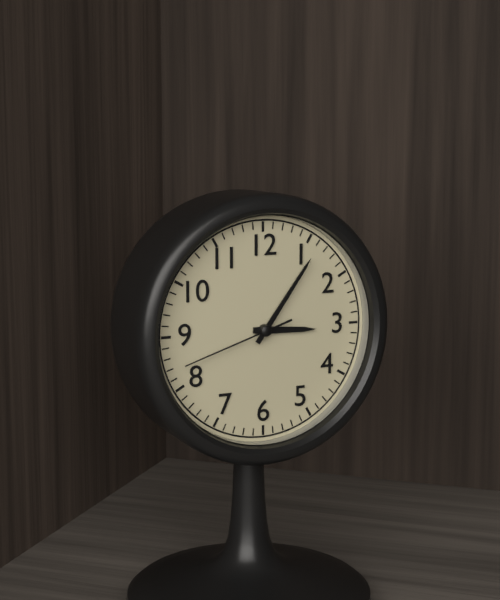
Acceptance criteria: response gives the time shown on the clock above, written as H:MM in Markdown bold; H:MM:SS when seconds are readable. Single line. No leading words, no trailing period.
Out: **3:06:42**
